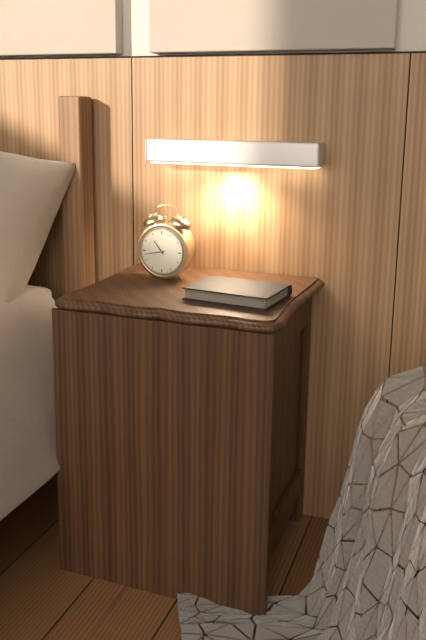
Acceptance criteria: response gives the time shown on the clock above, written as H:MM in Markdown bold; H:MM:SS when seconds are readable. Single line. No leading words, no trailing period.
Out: **10:43**
